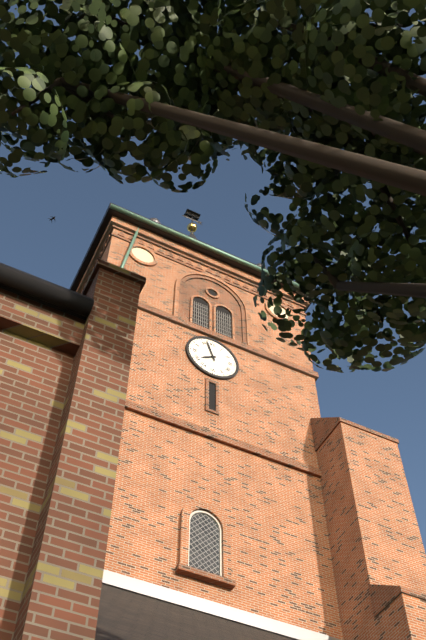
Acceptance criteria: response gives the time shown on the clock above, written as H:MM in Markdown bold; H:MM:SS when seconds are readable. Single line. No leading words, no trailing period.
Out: **7:57**
